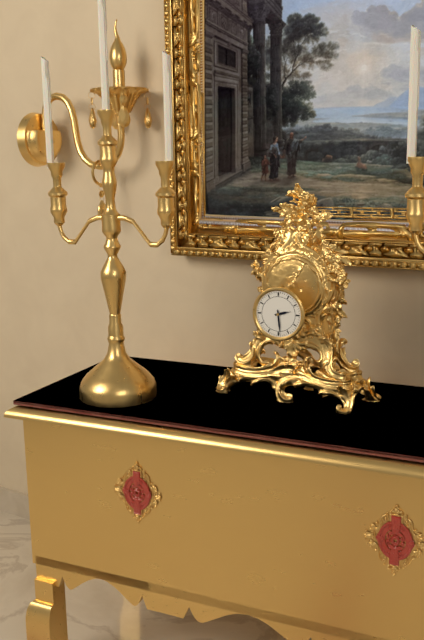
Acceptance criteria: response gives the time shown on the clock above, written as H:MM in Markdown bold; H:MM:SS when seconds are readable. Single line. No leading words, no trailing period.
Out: **2:29**
